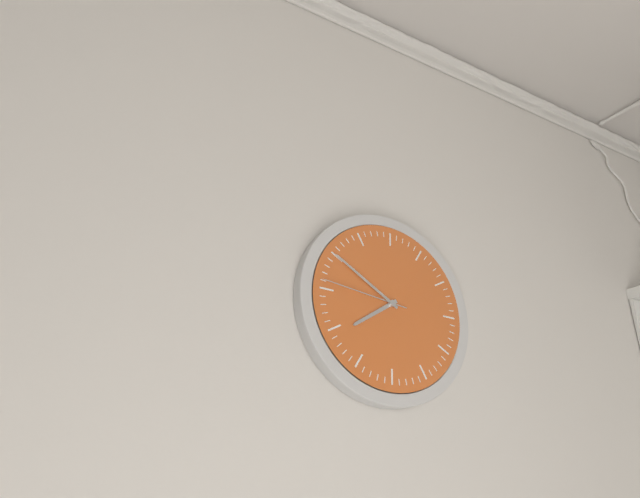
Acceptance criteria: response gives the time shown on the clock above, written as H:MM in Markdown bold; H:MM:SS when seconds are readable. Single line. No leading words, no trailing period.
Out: **7:50:46**
